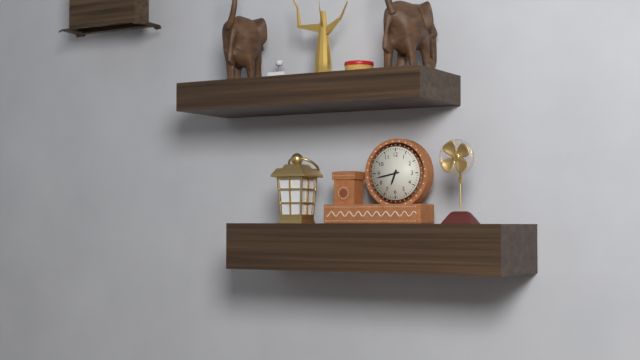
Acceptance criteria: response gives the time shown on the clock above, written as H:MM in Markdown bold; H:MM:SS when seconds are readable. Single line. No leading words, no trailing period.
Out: **6:43**
